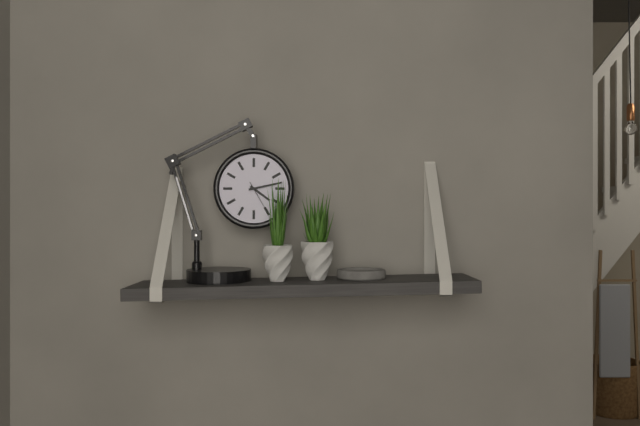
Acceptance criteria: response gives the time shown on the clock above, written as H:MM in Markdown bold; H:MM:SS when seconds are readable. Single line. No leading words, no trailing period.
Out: **4:13**
